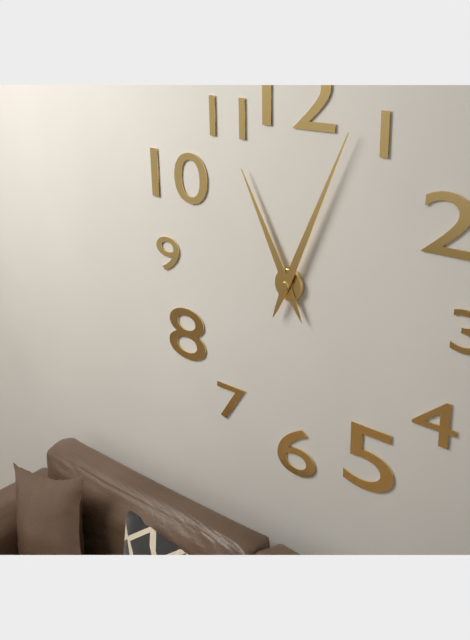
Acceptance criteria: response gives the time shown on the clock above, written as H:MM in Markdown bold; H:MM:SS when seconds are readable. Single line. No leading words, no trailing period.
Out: **11:04**
